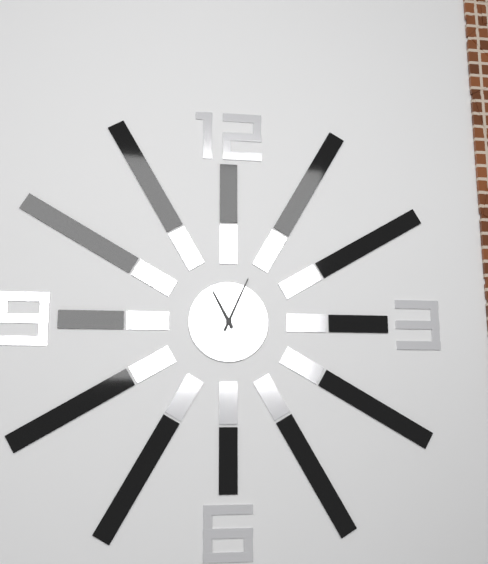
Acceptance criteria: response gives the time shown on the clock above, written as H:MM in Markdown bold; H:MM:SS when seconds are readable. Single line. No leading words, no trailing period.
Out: **11:04**
